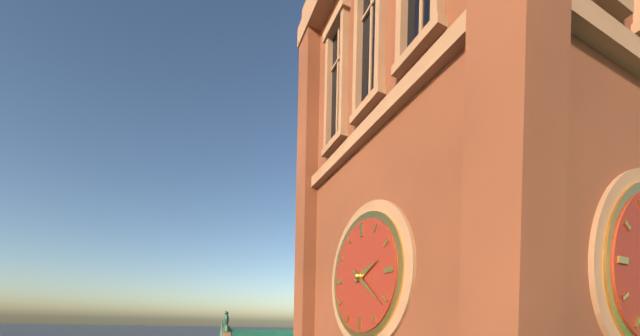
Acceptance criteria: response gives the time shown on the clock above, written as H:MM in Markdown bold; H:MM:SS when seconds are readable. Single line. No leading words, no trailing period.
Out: **2:21**
